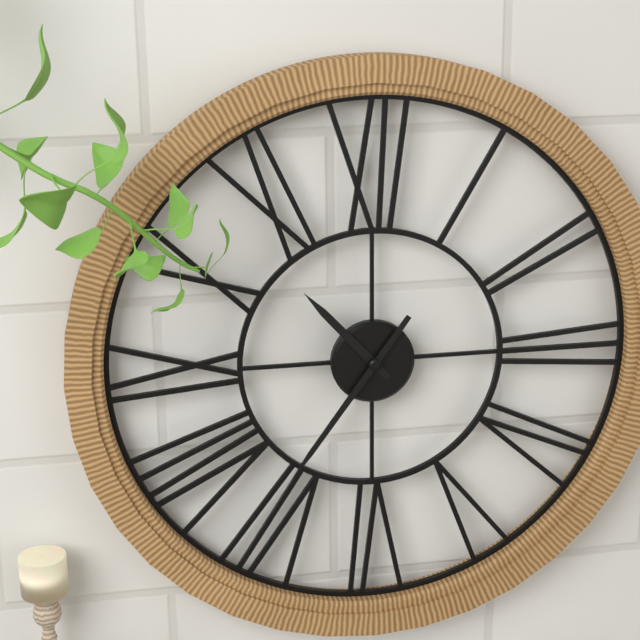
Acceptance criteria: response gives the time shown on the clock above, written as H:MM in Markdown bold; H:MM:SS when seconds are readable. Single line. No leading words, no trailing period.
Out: **10:36**
